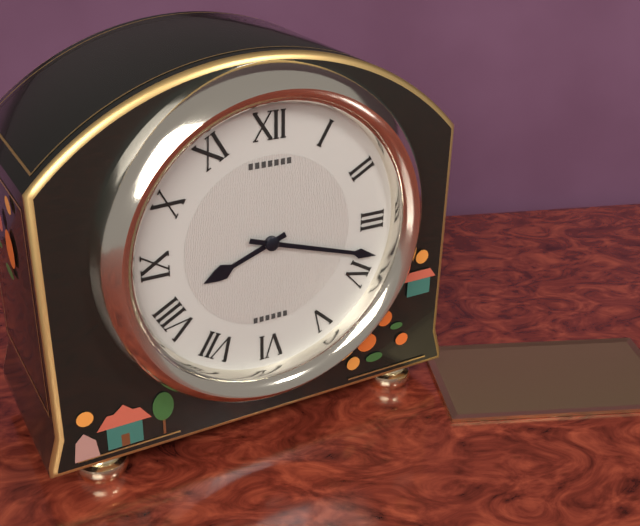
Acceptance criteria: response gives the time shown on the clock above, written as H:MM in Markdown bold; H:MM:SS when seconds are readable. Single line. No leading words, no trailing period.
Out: **8:18**
